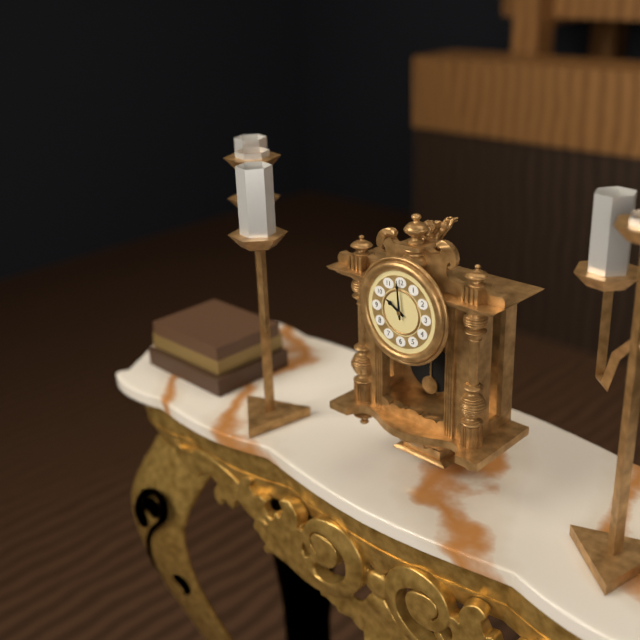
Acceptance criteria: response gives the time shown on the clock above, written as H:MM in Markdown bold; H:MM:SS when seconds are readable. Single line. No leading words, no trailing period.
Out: **9:59**
